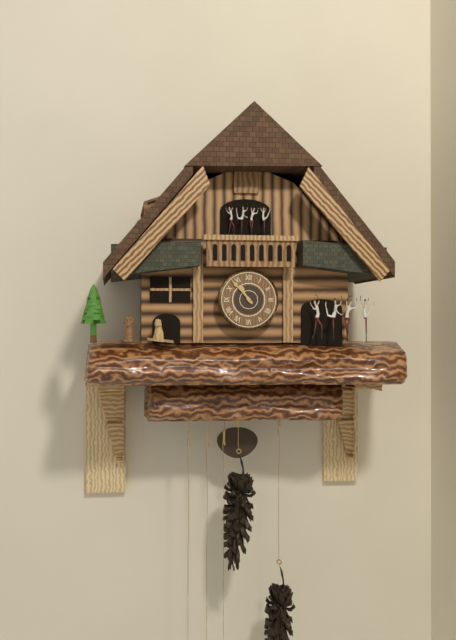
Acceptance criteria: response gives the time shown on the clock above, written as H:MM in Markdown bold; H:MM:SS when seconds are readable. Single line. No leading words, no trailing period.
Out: **10:53**
